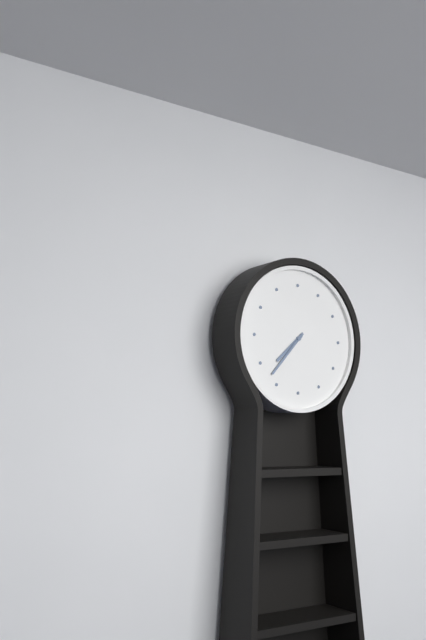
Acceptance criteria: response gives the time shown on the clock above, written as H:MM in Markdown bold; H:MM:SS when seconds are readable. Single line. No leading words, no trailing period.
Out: **7:37**
